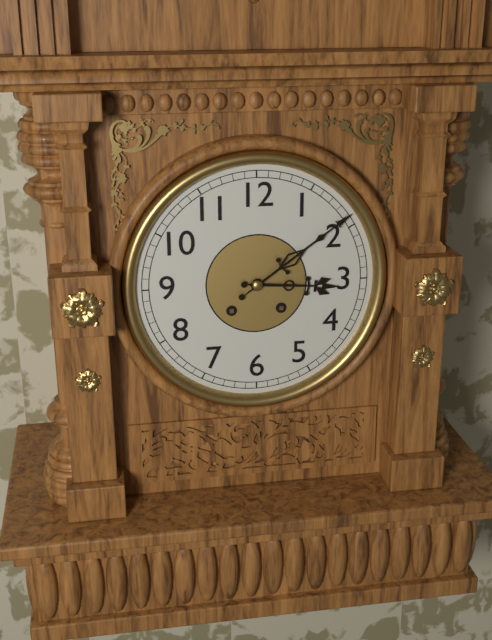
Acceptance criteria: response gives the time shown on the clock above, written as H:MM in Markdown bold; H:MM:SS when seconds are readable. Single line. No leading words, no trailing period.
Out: **3:09**
